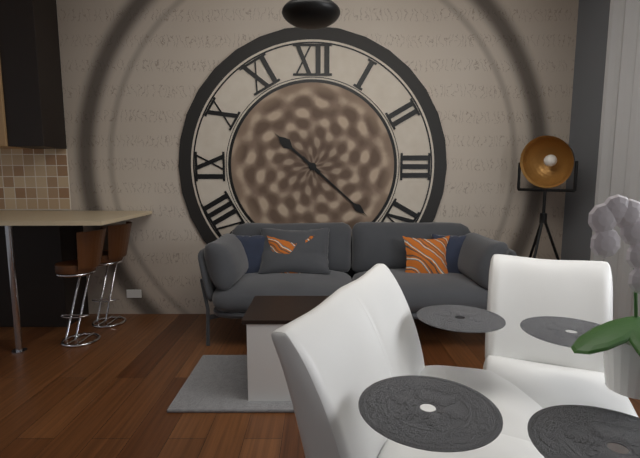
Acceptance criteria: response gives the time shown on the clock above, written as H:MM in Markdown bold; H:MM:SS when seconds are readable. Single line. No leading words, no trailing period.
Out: **10:22**
